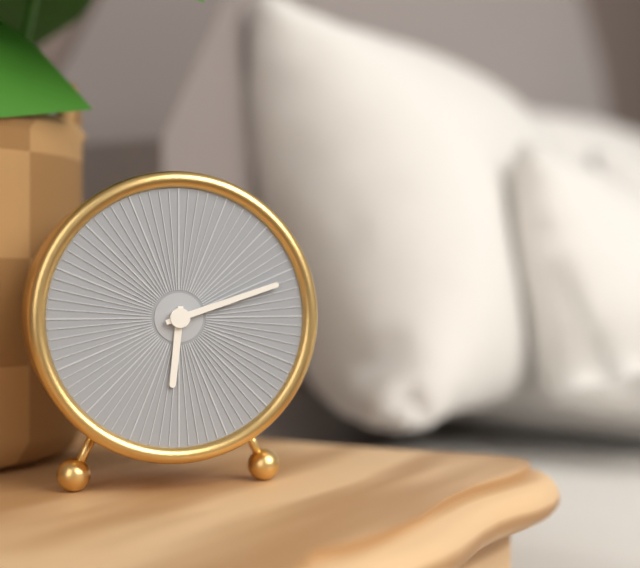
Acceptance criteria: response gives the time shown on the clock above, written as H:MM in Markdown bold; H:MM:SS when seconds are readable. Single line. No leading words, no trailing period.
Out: **6:12**
